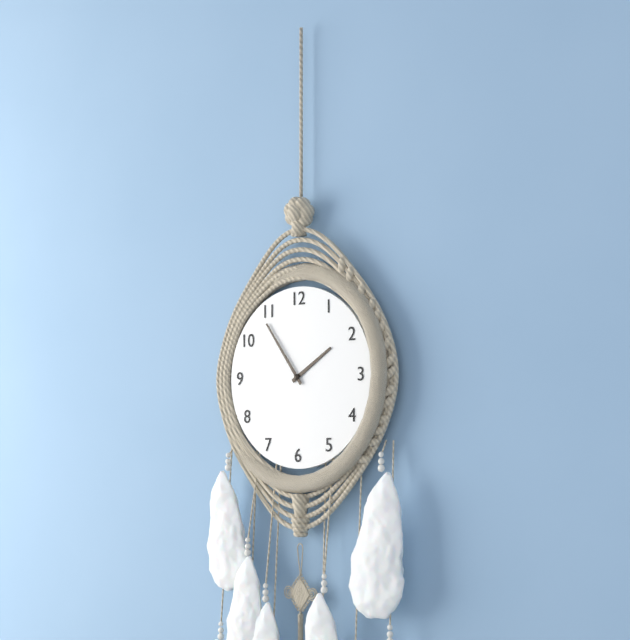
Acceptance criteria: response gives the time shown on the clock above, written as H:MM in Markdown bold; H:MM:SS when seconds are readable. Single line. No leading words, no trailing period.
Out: **1:54**
